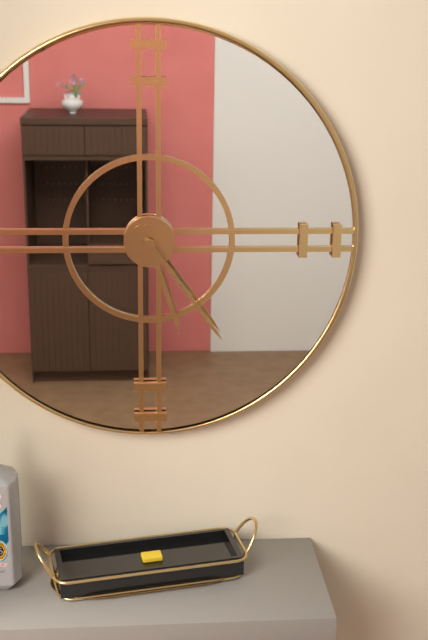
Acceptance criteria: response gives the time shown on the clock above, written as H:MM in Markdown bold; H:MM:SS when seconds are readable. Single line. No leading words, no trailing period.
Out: **5:24**
